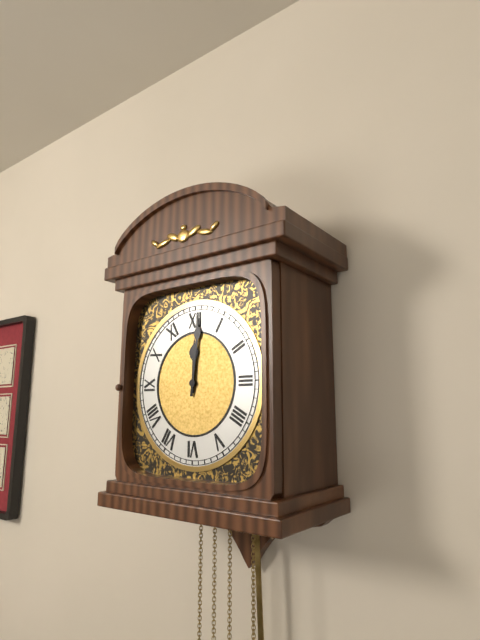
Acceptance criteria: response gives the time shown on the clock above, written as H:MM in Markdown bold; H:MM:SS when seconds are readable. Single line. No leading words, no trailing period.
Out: **12:01**
